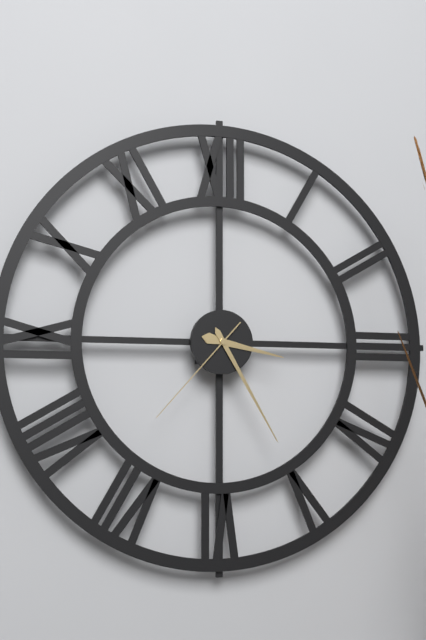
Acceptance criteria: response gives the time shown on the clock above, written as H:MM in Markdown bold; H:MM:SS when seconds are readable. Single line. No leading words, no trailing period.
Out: **3:25:37**
